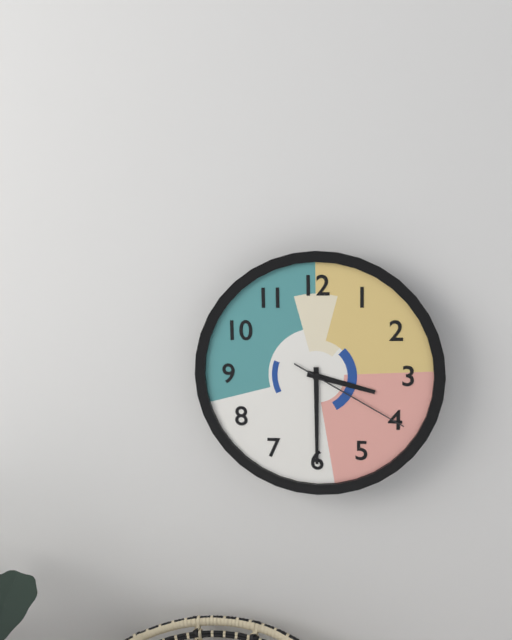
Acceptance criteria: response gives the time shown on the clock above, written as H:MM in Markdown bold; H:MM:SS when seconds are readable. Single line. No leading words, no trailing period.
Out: **3:30:20**
